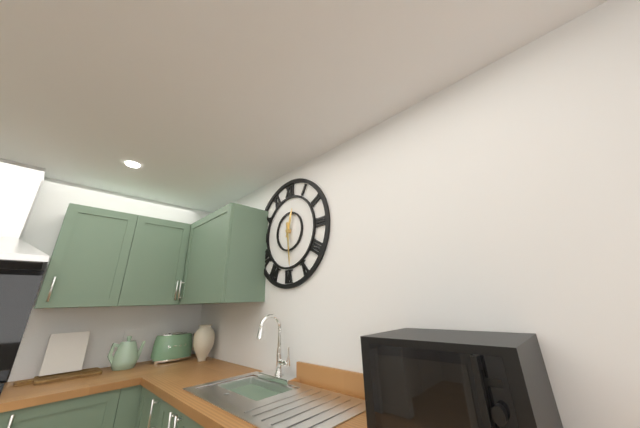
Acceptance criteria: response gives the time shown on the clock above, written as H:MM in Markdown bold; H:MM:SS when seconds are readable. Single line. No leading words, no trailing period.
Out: **12:29**
